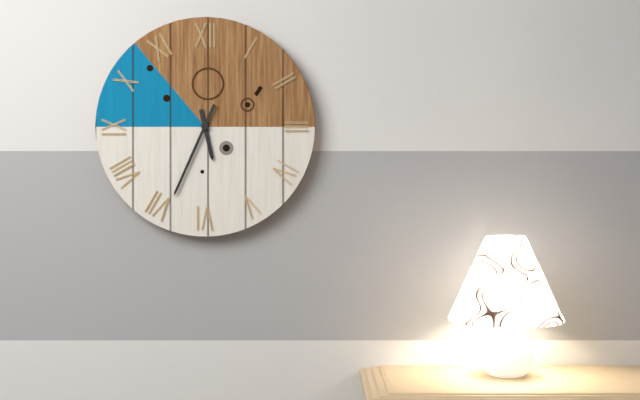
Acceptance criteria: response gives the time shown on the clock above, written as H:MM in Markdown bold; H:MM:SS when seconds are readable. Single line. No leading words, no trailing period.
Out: **5:34**
